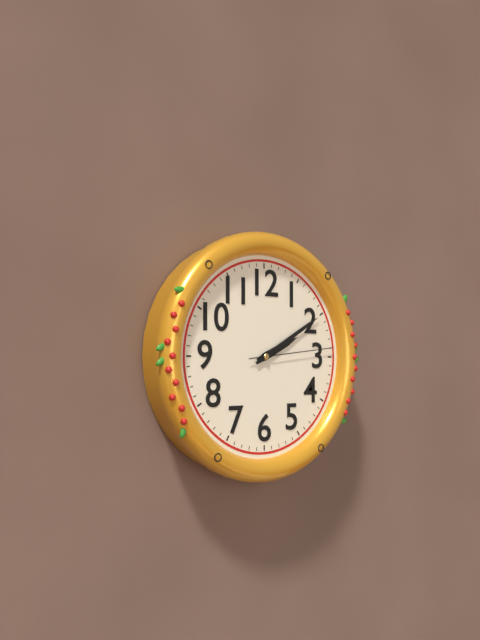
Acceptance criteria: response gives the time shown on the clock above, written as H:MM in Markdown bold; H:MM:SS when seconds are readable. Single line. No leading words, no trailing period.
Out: **2:10:14**
